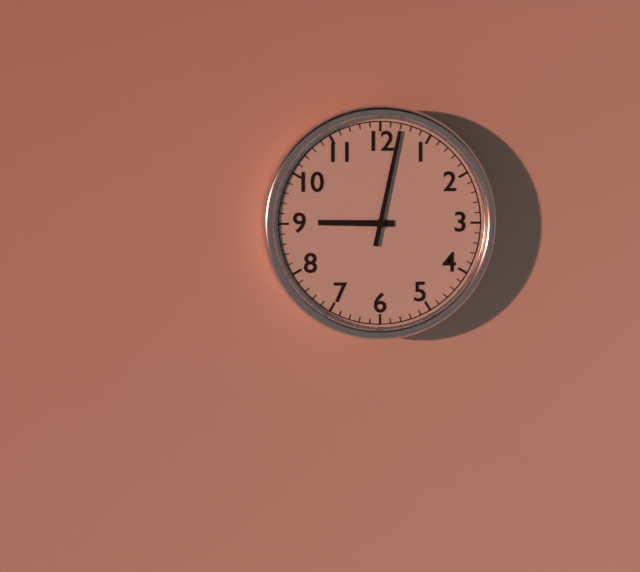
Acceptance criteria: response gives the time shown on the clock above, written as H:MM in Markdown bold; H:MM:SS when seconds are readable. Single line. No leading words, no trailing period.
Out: **9:02**
